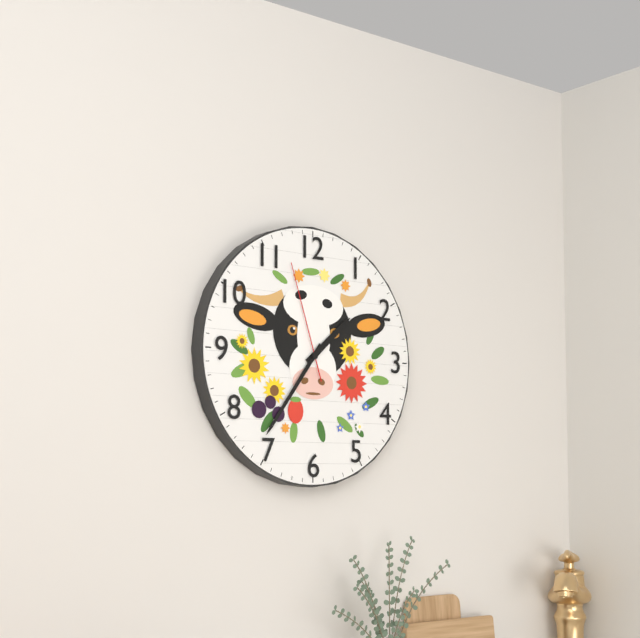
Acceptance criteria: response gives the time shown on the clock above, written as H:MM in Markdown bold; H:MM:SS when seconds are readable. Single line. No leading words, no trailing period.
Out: **1:36:57**
